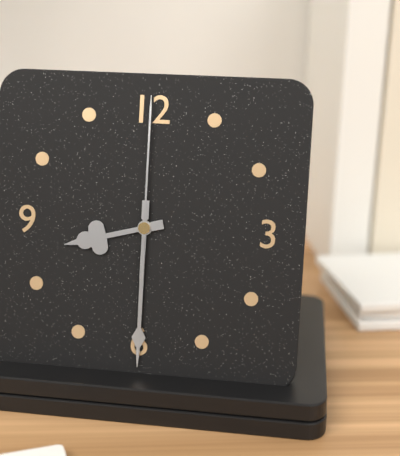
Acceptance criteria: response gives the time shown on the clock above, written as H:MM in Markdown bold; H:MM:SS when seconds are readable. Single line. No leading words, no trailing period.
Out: **8:30:00**
